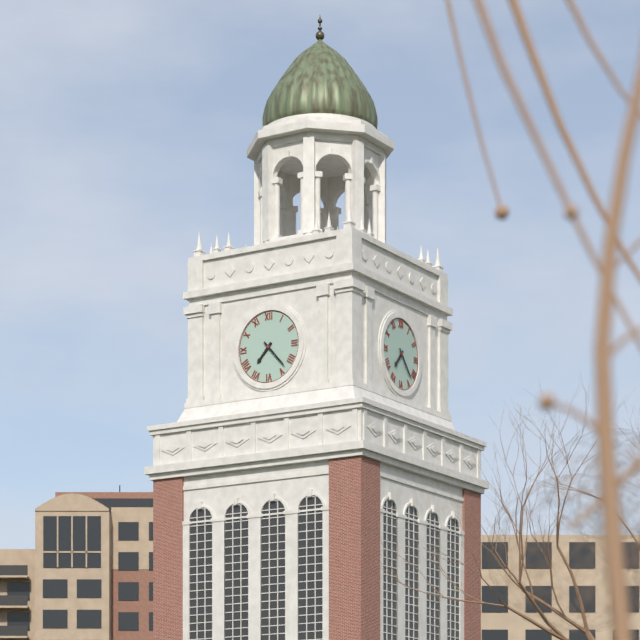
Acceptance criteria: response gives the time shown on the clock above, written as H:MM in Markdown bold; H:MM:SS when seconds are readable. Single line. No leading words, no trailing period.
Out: **7:23**
